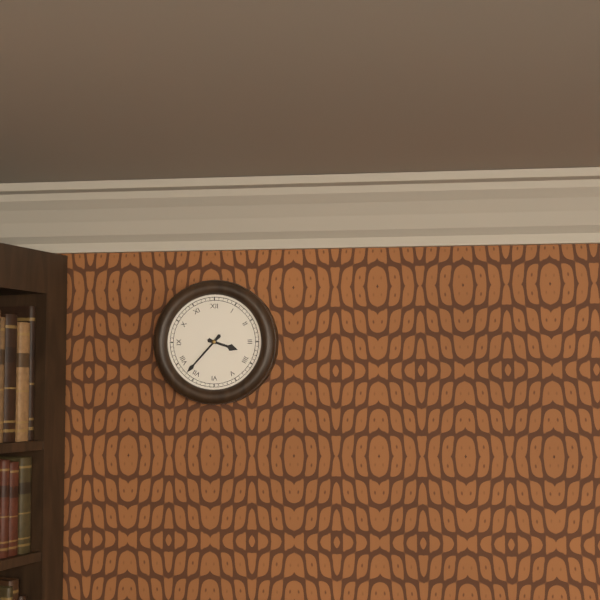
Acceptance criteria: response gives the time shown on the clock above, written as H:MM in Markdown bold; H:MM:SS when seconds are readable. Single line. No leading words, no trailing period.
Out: **3:37**
